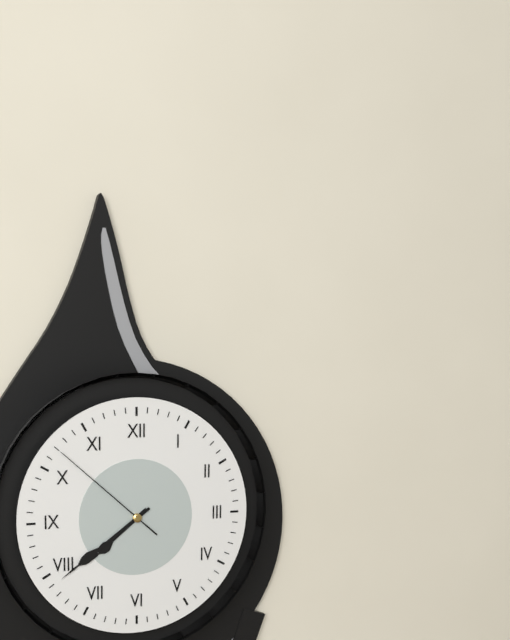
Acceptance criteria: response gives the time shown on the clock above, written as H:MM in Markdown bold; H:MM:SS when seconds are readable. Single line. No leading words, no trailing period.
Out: **7:39:52**
